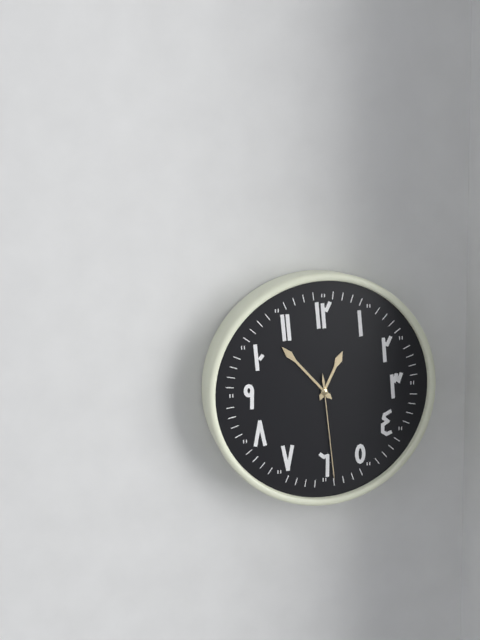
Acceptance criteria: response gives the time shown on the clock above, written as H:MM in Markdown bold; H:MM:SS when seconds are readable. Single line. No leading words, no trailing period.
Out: **12:53:29**
